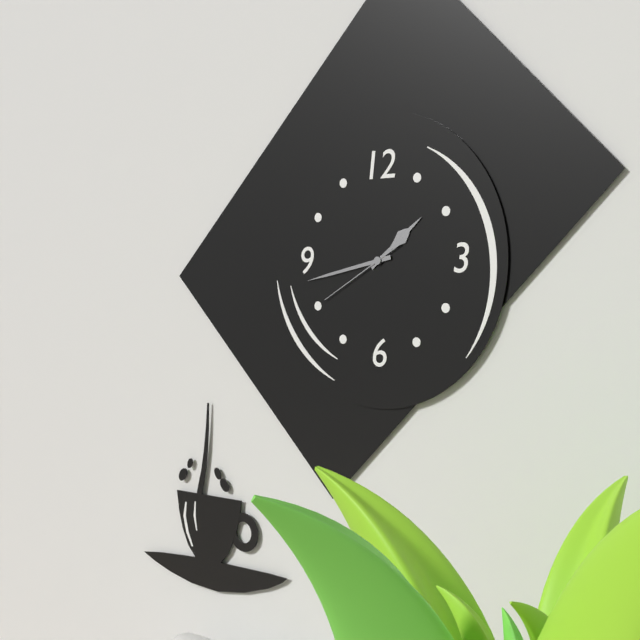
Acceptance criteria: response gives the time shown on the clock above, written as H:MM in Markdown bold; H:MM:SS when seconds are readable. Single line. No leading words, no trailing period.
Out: **1:43:40**
